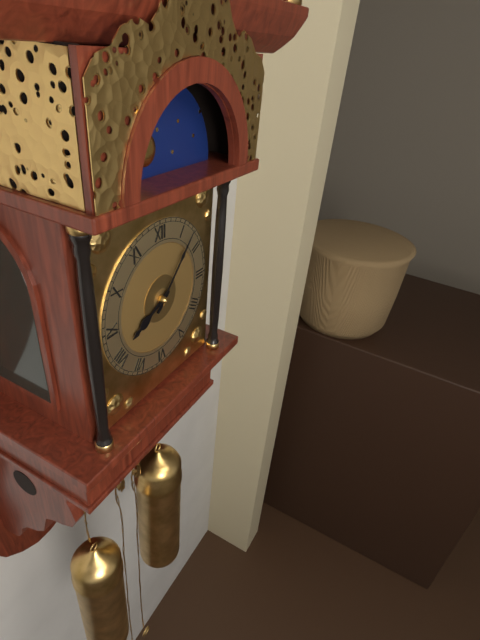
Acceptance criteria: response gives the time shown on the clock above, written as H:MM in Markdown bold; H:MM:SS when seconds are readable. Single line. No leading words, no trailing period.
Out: **8:07**
